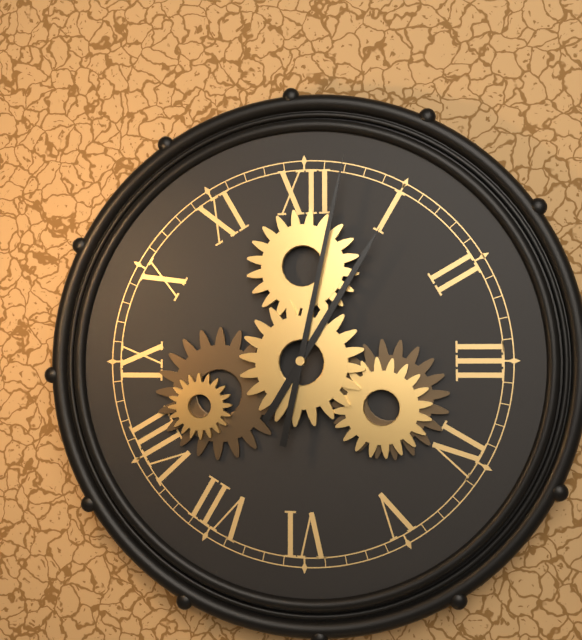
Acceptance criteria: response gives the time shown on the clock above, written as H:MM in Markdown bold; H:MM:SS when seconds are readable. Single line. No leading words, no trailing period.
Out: **1:02**
